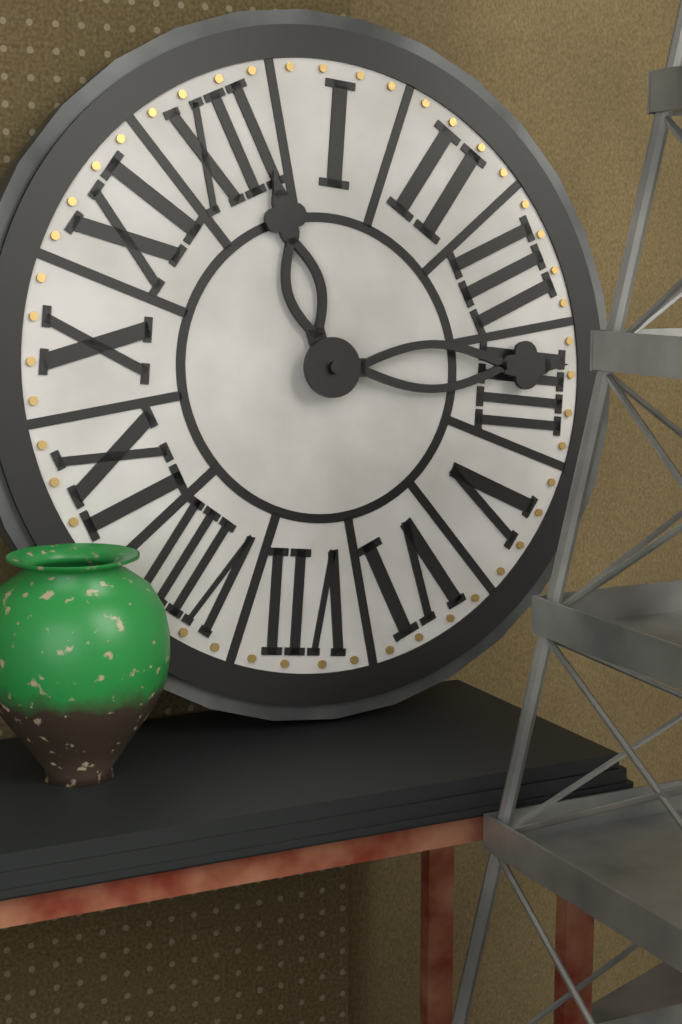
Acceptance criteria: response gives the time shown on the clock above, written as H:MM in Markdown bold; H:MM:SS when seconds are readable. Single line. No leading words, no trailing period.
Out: **12:19**
